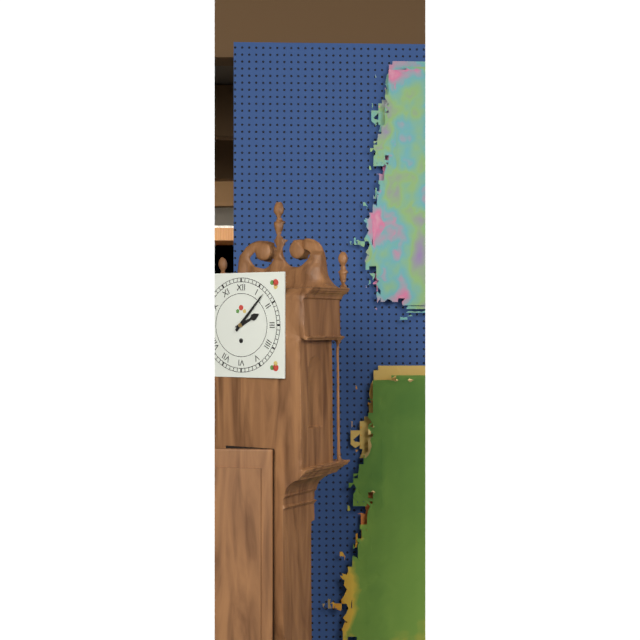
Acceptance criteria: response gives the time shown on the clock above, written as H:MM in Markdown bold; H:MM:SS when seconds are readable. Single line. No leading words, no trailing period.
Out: **2:07**
